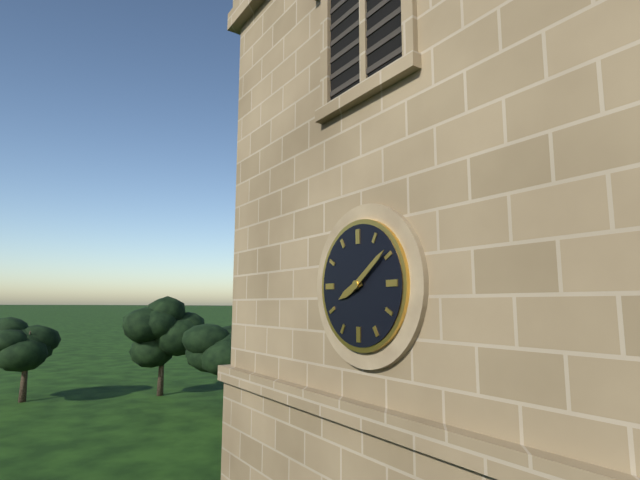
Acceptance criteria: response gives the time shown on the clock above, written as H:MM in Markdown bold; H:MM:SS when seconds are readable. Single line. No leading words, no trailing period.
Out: **8:09**
